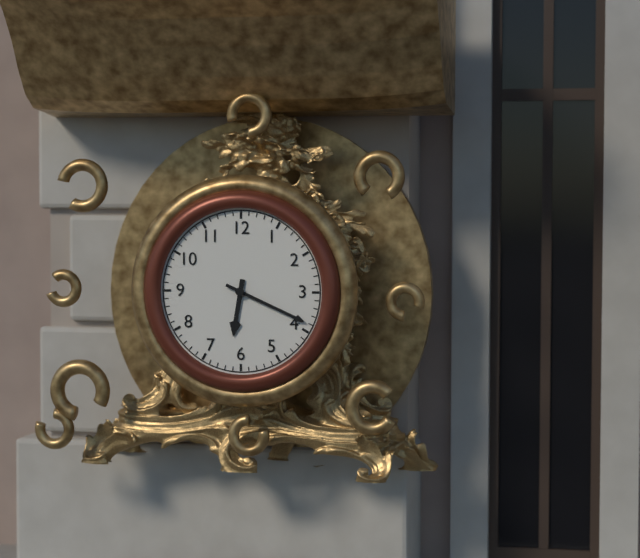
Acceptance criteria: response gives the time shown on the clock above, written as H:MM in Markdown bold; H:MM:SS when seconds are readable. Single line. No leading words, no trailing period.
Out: **6:19**
